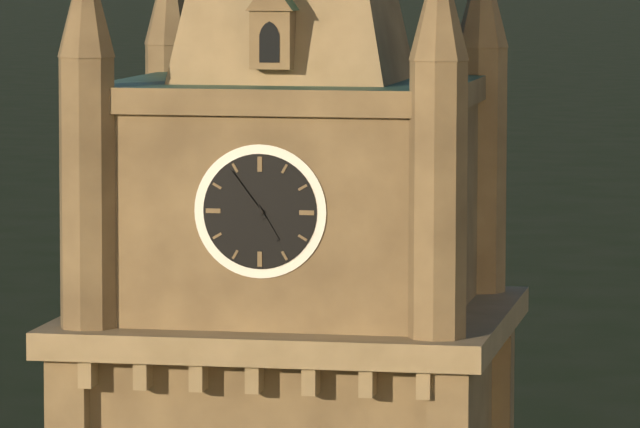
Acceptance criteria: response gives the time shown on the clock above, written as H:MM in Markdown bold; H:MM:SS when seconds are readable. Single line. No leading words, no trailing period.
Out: **4:54**
